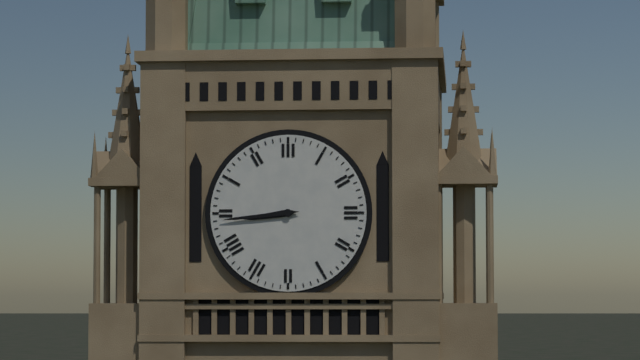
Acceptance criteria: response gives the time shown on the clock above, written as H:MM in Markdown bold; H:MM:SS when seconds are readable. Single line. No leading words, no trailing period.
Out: **8:44**
